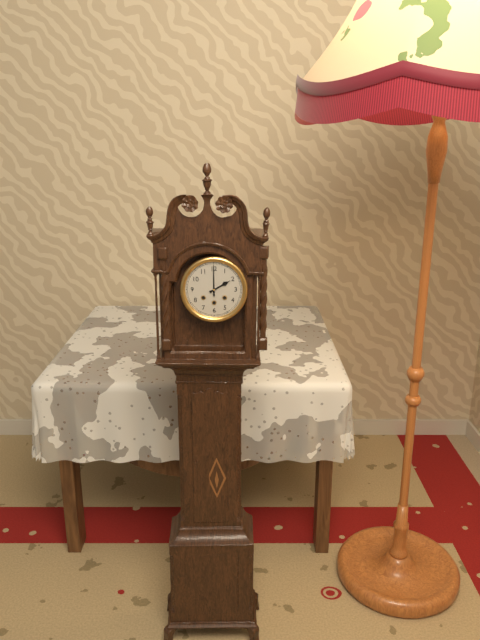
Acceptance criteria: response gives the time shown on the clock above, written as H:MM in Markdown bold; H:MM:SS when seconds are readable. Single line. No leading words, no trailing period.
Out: **2:00**
